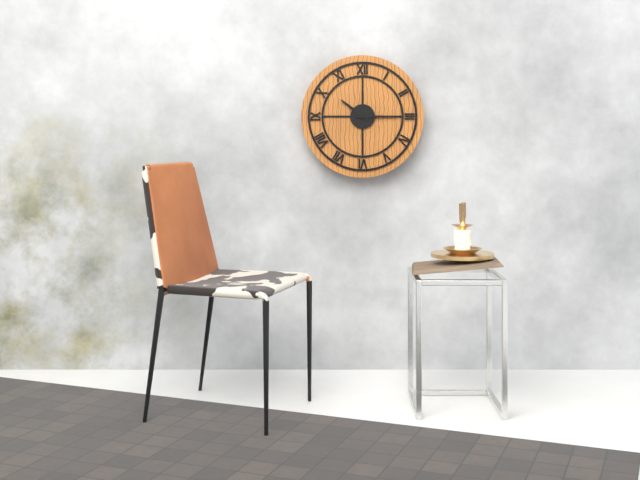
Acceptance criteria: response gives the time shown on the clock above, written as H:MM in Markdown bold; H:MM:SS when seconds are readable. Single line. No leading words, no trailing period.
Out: **10:15**
